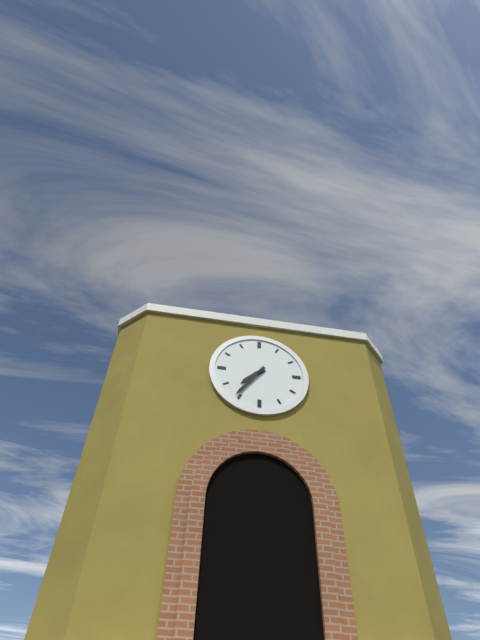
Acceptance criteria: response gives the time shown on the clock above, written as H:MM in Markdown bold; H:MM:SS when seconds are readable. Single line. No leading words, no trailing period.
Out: **7:36**
